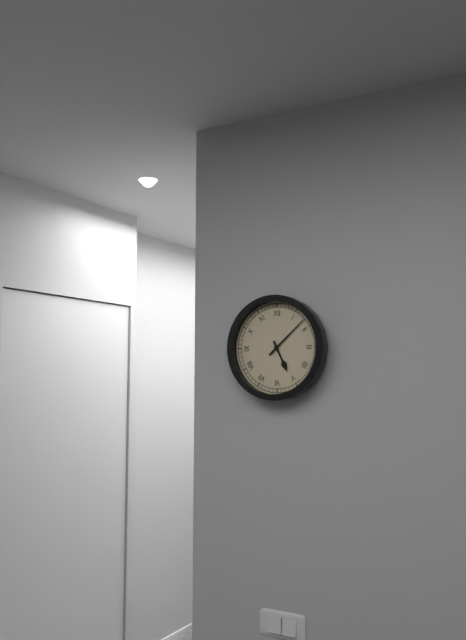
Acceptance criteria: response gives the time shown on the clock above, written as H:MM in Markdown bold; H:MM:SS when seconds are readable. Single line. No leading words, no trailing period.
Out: **5:08**
